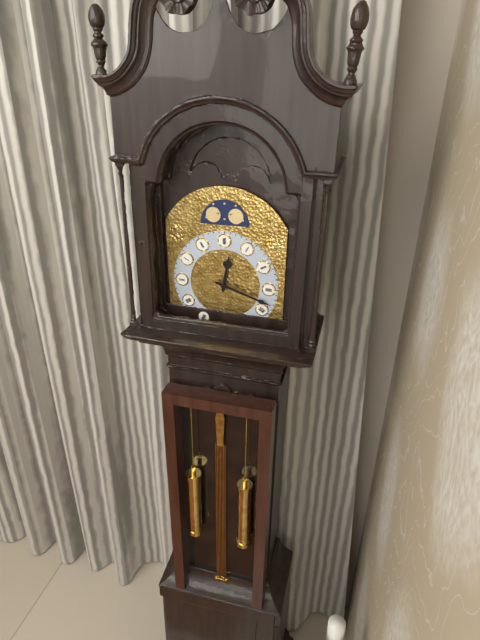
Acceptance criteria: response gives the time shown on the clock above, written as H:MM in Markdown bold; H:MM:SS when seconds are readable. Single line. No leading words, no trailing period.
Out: **12:18**
